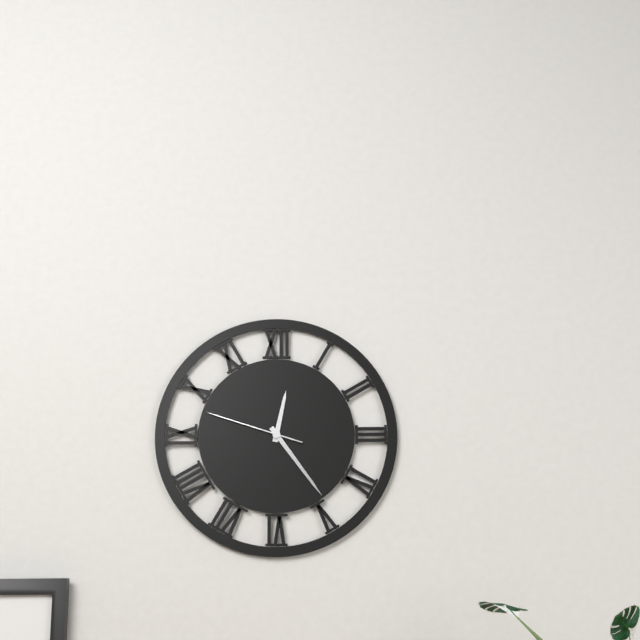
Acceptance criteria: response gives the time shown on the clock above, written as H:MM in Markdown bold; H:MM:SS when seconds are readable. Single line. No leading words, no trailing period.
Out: **12:24:48**
